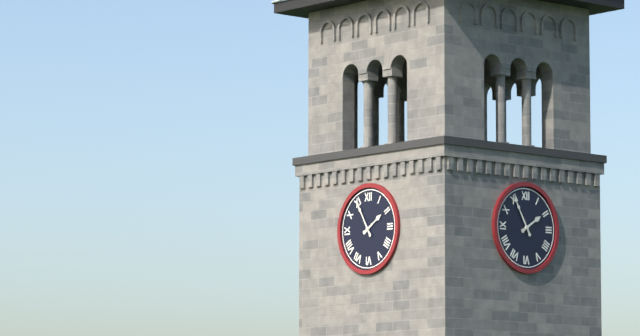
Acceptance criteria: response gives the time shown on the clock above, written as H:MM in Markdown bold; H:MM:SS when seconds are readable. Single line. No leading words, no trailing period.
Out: **1:55**
